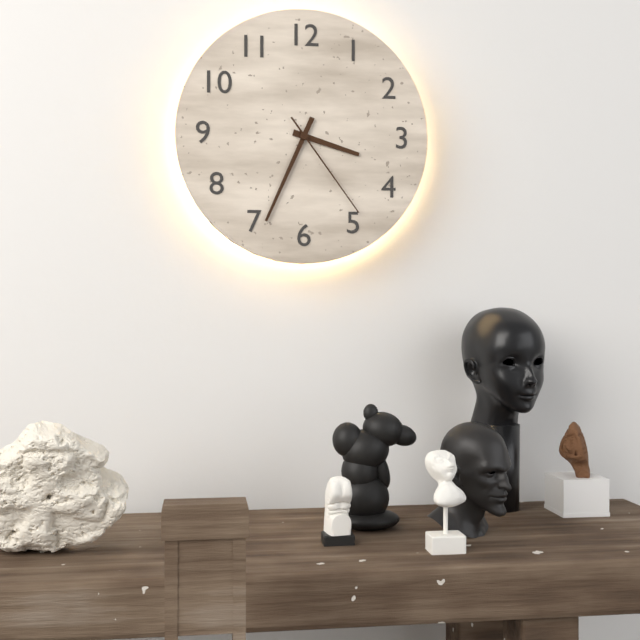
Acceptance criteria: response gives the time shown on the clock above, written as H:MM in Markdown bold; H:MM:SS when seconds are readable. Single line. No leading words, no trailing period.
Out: **3:34:24**
